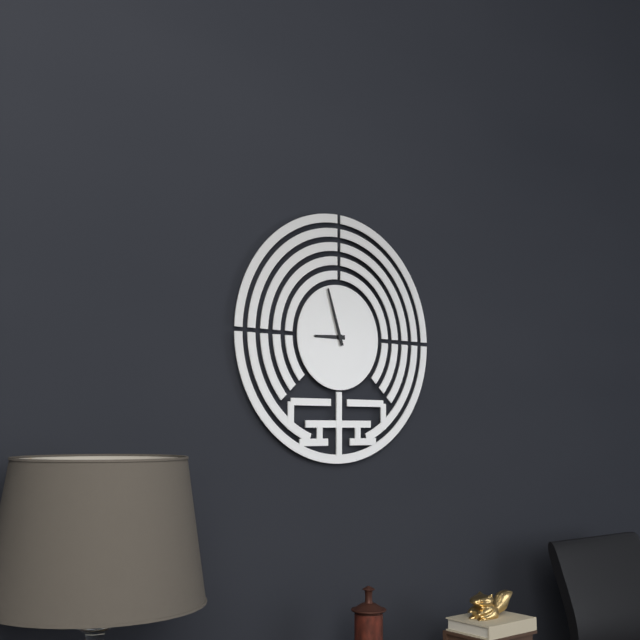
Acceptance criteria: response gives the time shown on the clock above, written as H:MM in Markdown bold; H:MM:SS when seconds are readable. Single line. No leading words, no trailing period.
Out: **8:57**
